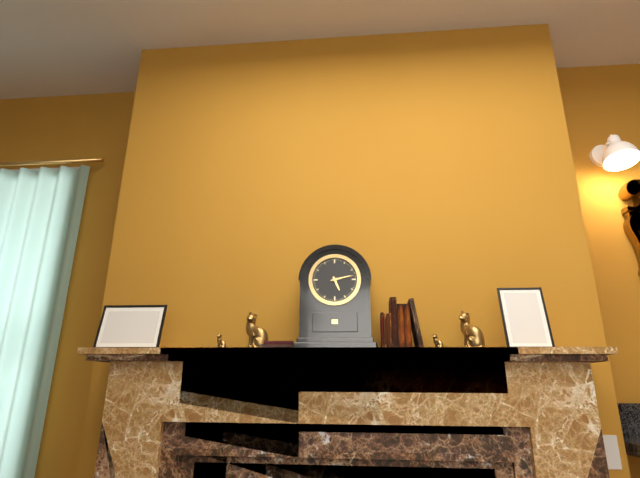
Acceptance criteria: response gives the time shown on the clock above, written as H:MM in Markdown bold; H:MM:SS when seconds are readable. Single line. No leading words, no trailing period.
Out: **5:13**
